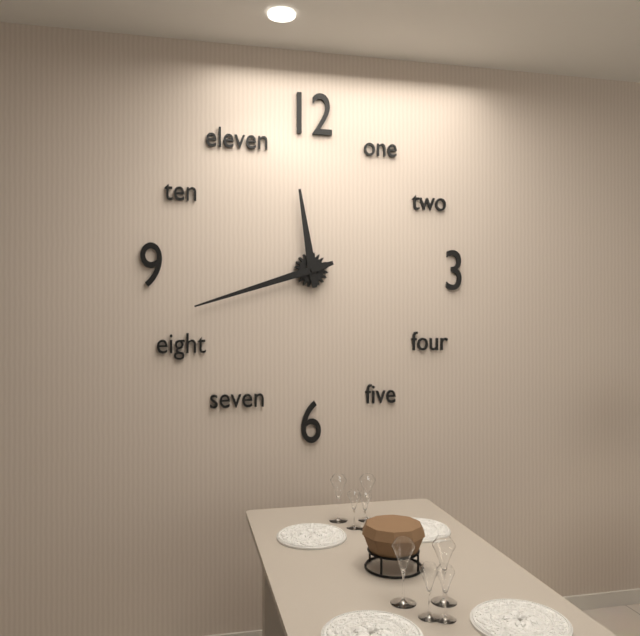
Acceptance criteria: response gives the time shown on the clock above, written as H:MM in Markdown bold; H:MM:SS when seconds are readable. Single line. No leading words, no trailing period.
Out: **11:42**
